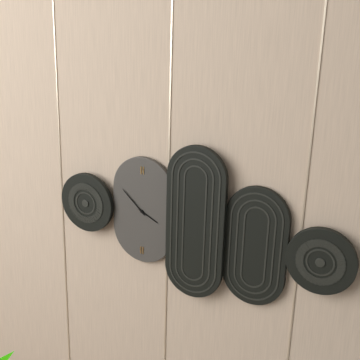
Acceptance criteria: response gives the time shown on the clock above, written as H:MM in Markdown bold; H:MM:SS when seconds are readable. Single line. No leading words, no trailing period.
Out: **3:52**
